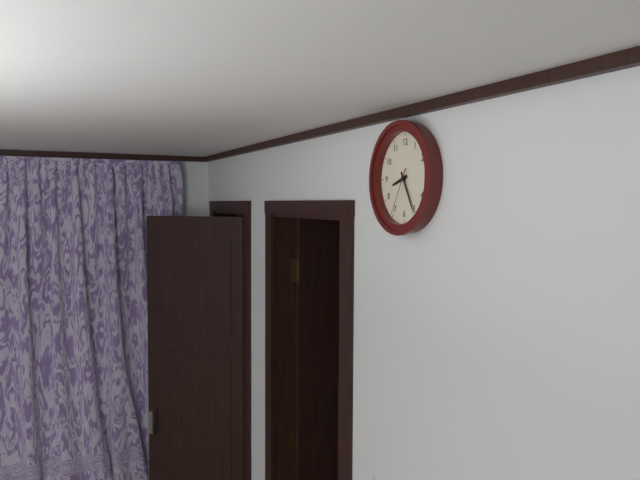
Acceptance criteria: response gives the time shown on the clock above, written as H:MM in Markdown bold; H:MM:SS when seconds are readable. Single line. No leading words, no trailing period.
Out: **8:25**
